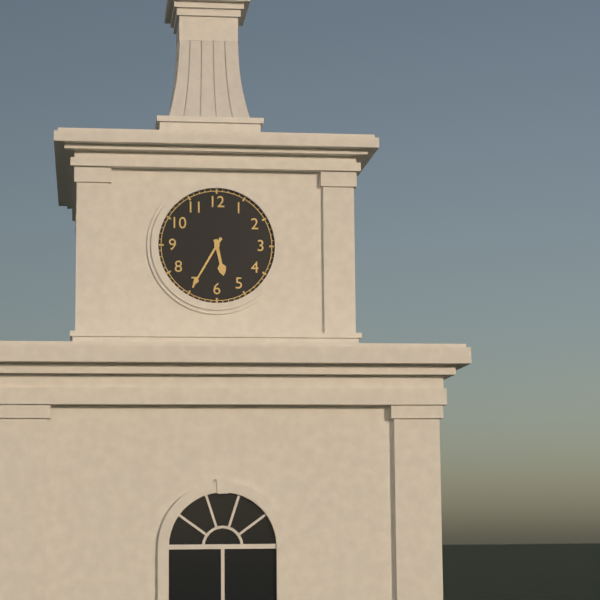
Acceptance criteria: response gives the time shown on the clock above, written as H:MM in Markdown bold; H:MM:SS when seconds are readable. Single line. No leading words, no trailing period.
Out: **5:35**
